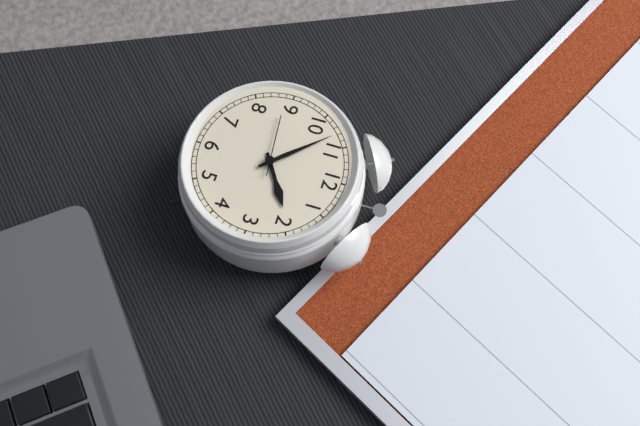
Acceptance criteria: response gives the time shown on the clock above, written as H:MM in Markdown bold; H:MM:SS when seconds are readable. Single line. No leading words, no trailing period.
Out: **1:53:44**
